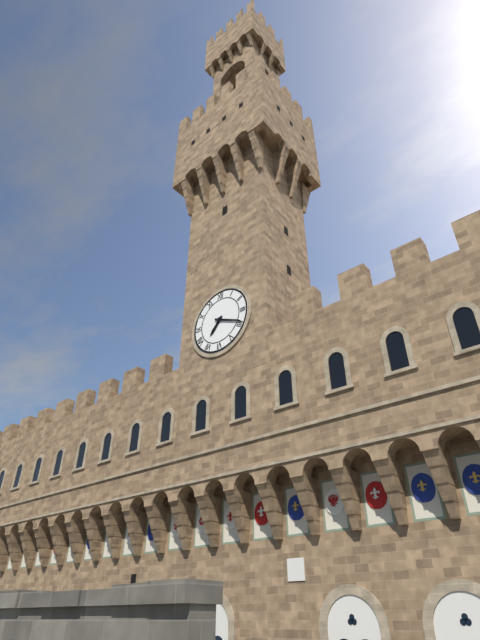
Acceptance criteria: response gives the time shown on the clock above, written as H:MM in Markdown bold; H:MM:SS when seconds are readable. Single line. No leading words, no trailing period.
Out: **7:19**
